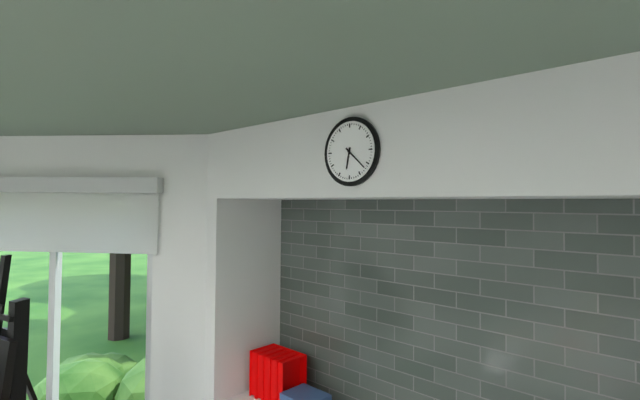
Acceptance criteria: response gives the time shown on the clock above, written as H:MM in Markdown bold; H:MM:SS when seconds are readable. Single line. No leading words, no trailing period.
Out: **6:22**
